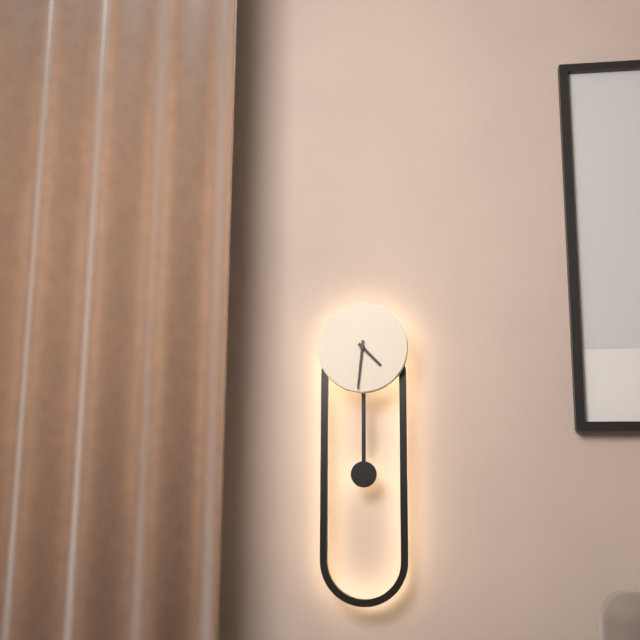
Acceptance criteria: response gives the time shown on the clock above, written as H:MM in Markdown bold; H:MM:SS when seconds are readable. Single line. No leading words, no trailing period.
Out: **4:31**
